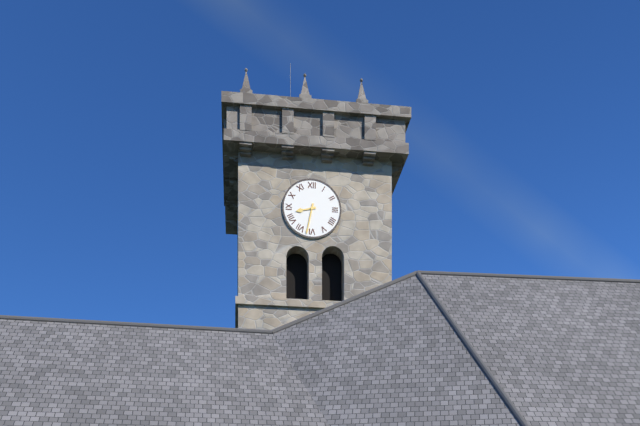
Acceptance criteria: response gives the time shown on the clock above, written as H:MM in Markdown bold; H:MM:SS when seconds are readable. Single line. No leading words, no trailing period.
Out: **8:32**
